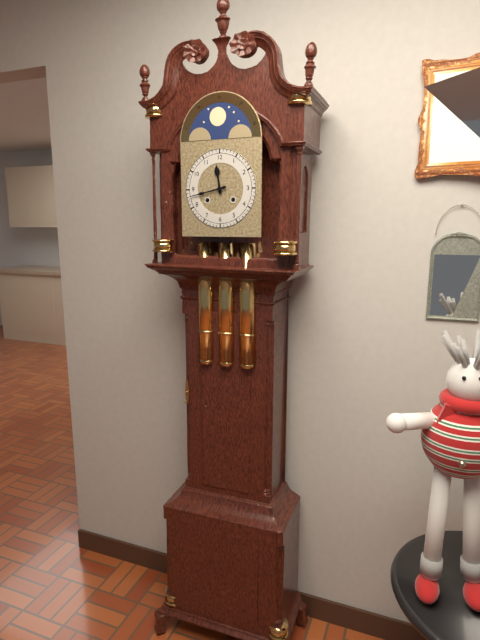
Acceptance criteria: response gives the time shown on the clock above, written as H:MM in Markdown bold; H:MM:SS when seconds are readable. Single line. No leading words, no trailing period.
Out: **11:43**
